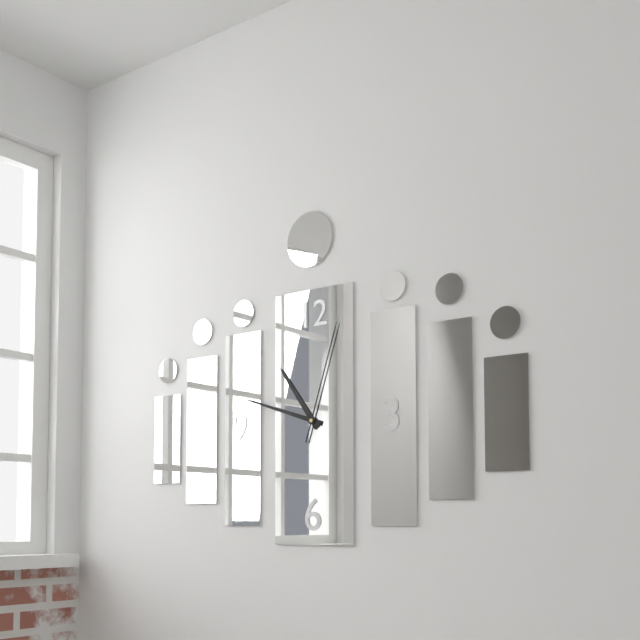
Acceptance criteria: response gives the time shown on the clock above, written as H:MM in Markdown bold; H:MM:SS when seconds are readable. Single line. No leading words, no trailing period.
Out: **10:48:03**
